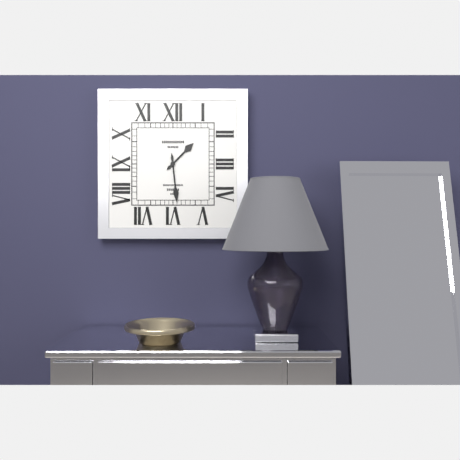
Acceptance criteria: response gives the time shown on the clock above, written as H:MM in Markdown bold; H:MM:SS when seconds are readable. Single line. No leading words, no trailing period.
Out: **1:29**
